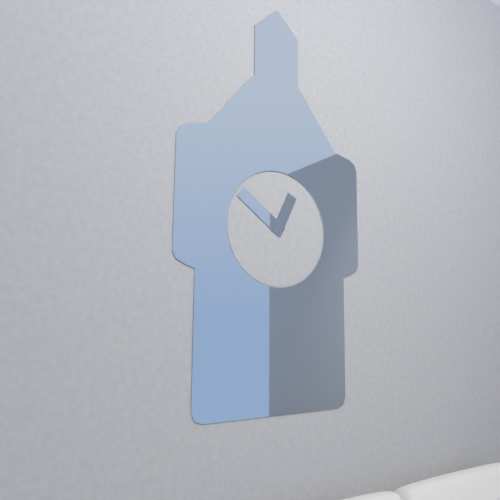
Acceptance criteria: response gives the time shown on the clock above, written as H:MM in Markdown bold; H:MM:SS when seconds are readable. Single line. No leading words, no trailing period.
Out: **12:51**
